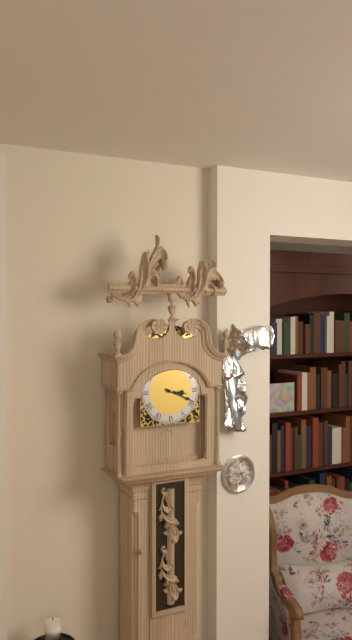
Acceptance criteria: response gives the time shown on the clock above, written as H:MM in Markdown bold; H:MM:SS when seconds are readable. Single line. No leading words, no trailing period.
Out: **3:19**
